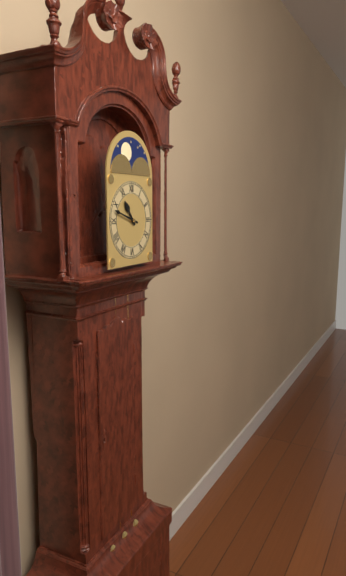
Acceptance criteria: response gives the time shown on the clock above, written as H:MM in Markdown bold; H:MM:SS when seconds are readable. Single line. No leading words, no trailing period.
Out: **10:48**
